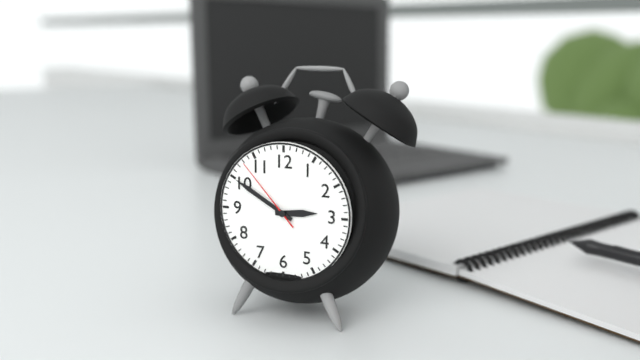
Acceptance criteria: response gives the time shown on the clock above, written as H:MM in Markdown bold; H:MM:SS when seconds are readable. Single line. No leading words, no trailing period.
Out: **2:50:53**
